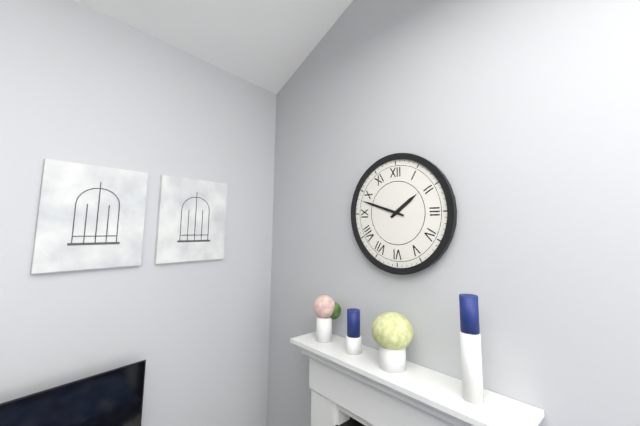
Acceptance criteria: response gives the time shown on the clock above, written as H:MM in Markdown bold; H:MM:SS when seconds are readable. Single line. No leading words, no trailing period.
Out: **1:48**
